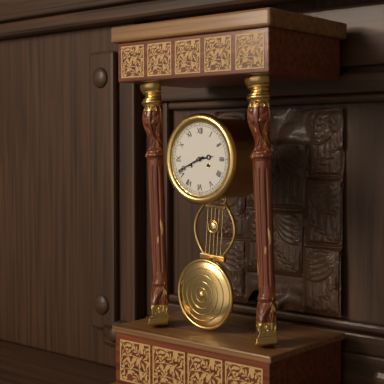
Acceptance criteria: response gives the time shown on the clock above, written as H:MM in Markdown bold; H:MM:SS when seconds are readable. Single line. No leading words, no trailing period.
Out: **2:41**
